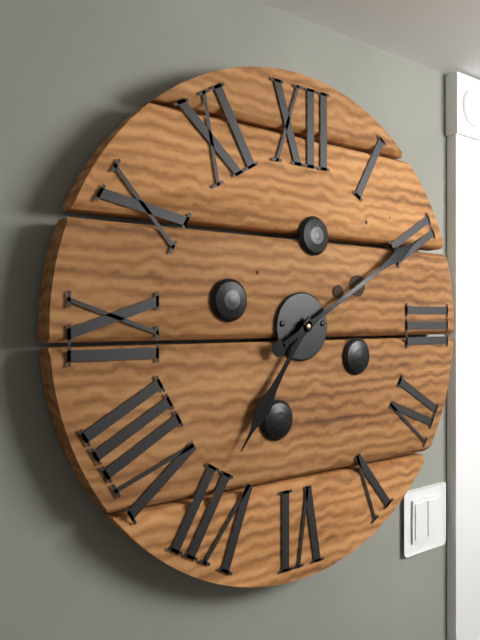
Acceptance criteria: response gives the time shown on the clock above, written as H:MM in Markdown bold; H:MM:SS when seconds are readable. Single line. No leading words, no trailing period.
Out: **7:10**
